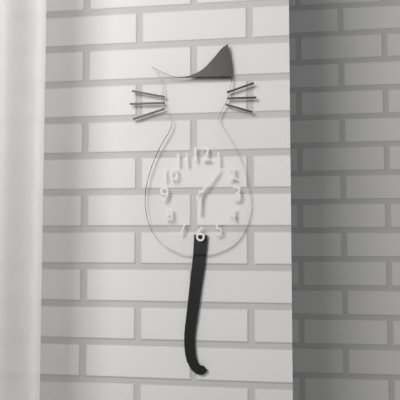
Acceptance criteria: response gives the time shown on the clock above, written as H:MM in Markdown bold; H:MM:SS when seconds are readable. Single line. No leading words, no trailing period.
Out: **6:06**
